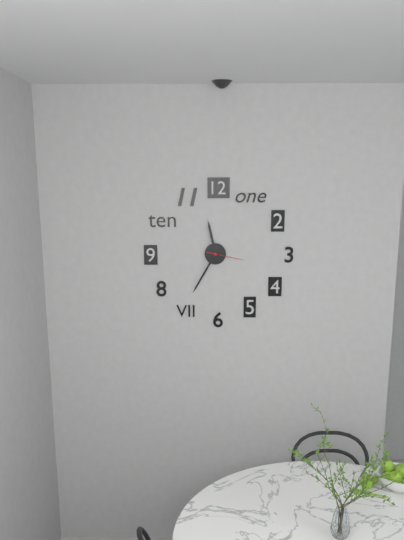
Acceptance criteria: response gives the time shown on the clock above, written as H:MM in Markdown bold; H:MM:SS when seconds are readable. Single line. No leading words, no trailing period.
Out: **11:35**
